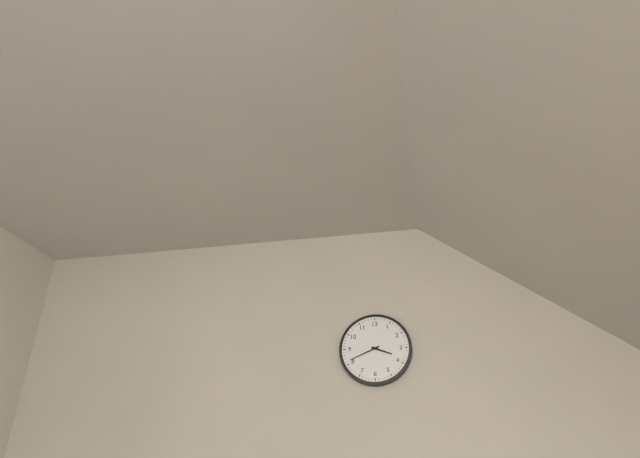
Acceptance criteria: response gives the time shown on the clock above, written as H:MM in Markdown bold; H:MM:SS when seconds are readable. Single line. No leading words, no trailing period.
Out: **3:41**
